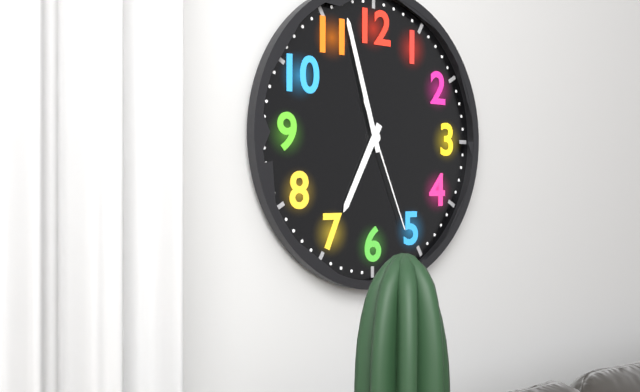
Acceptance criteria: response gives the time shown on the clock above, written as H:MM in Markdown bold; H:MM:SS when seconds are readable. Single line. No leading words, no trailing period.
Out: **6:57:26**
